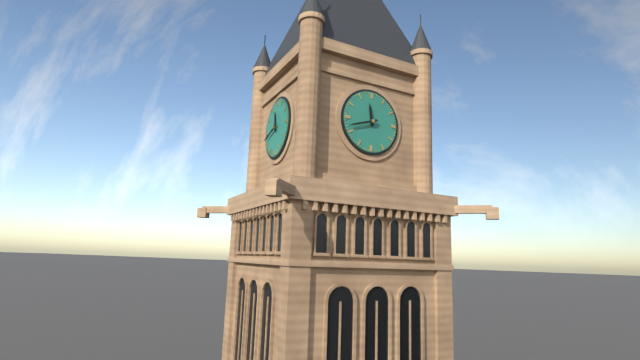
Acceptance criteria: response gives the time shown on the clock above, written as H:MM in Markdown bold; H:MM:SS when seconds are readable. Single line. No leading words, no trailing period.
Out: **11:42**
